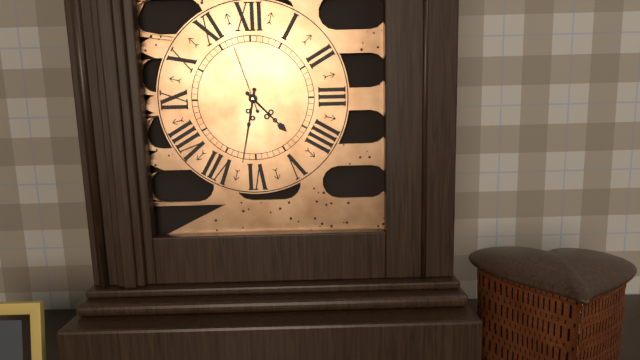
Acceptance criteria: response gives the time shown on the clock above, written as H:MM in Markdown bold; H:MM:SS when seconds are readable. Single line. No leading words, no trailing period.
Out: **4:32:57**
